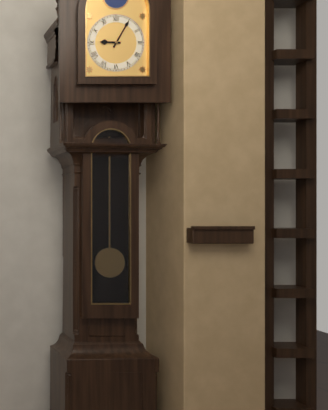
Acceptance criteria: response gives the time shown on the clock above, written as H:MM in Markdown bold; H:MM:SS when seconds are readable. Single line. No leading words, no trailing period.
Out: **9:05**
